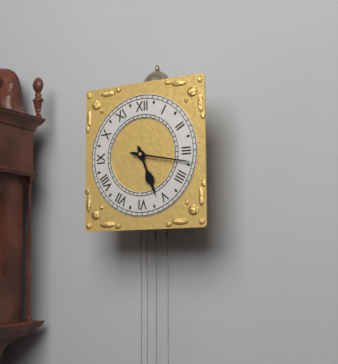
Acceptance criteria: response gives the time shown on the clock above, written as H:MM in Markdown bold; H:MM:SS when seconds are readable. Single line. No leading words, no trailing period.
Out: **5:17**
